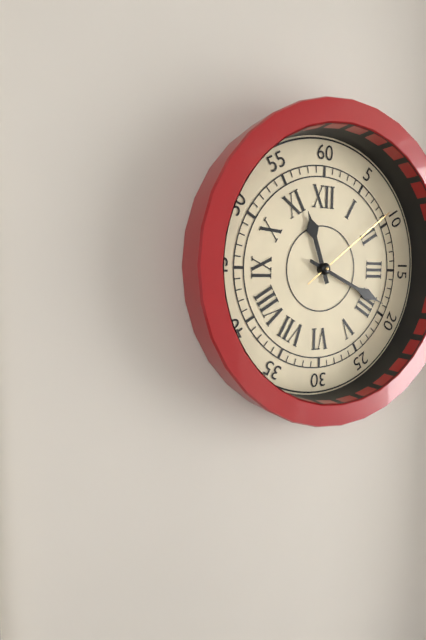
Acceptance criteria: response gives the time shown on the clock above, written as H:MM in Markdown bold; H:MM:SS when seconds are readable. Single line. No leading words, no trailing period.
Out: **11:19:09**
